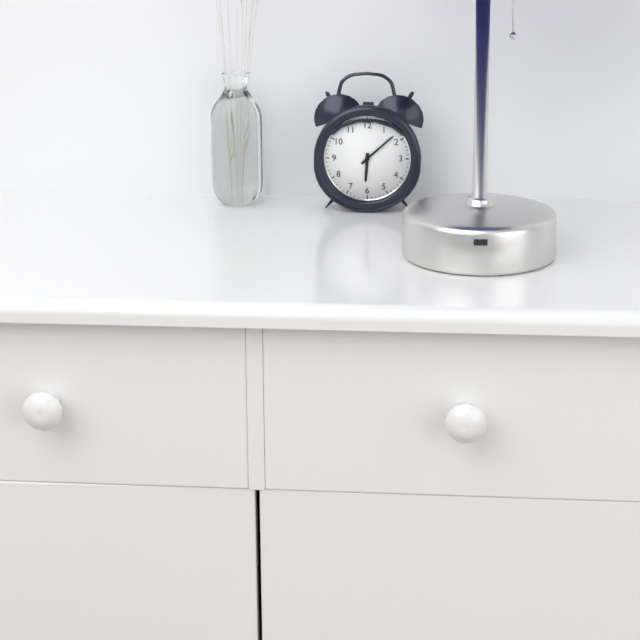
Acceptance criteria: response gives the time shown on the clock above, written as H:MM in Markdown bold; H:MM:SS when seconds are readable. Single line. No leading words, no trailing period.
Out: **6:08**
